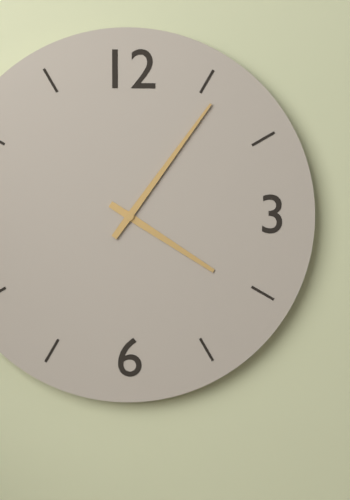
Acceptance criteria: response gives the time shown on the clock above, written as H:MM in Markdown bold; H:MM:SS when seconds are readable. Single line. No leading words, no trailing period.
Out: **4:06**
